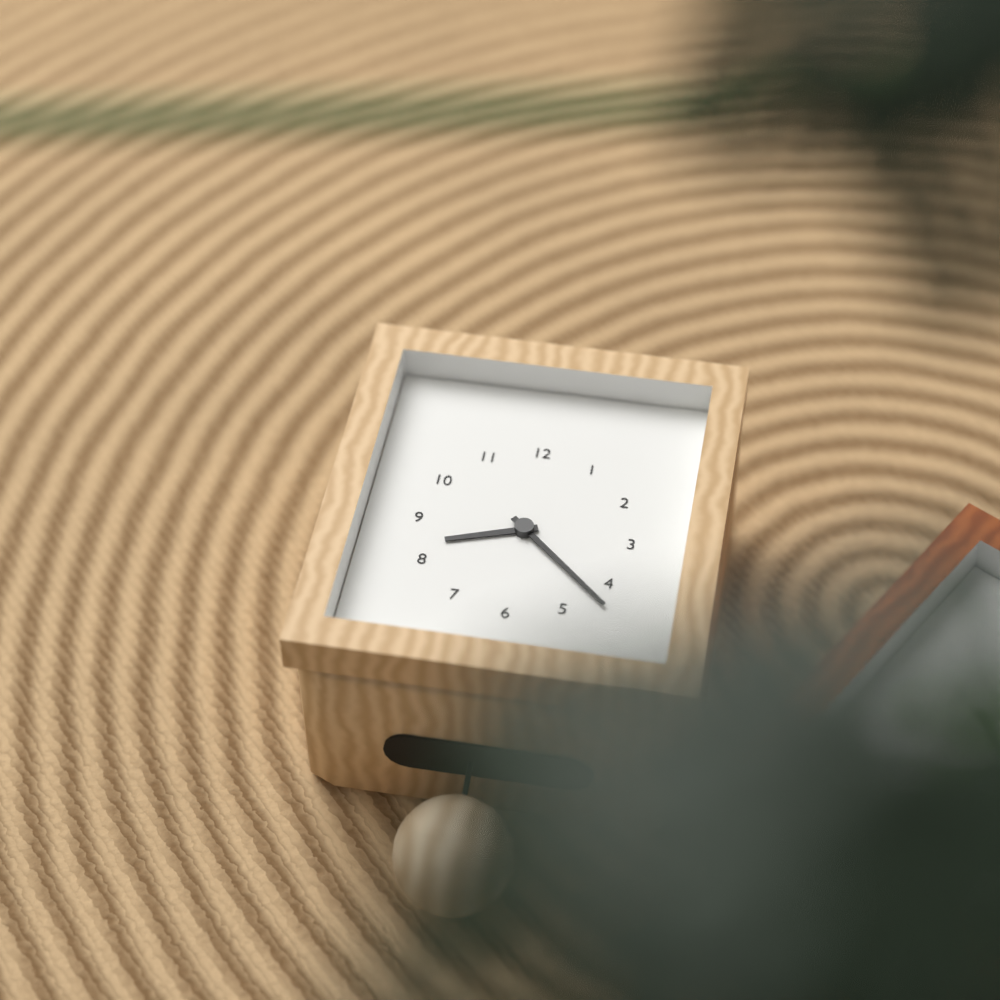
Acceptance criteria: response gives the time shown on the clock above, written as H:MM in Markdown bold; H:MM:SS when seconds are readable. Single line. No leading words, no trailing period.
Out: **8:22**
